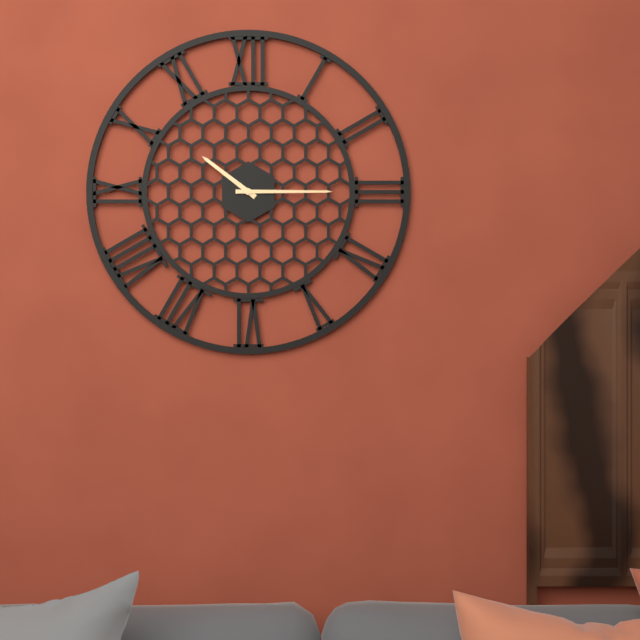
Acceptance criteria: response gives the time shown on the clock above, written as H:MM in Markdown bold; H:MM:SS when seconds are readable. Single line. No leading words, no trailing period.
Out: **10:15**
